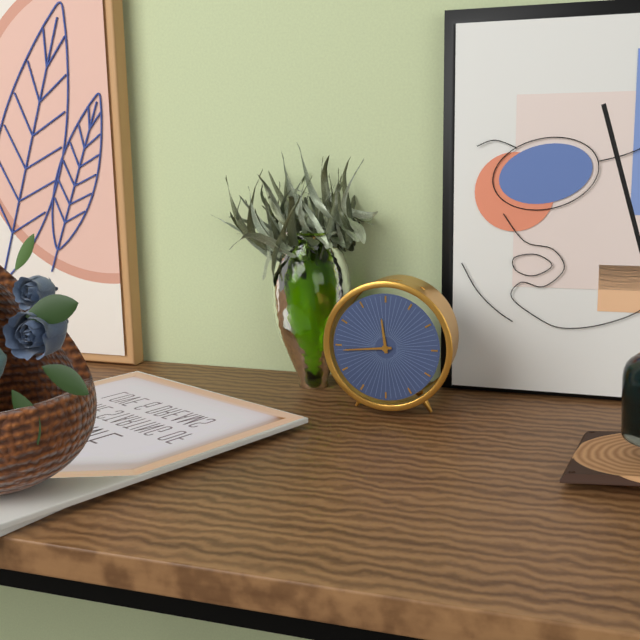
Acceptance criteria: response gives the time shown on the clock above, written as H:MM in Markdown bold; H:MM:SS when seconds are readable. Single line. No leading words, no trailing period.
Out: **11:44**
